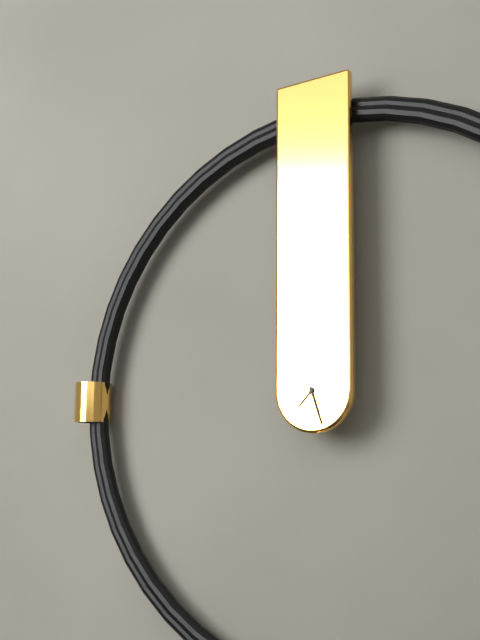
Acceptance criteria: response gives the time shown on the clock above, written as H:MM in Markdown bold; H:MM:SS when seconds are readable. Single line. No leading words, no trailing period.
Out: **7:27**
